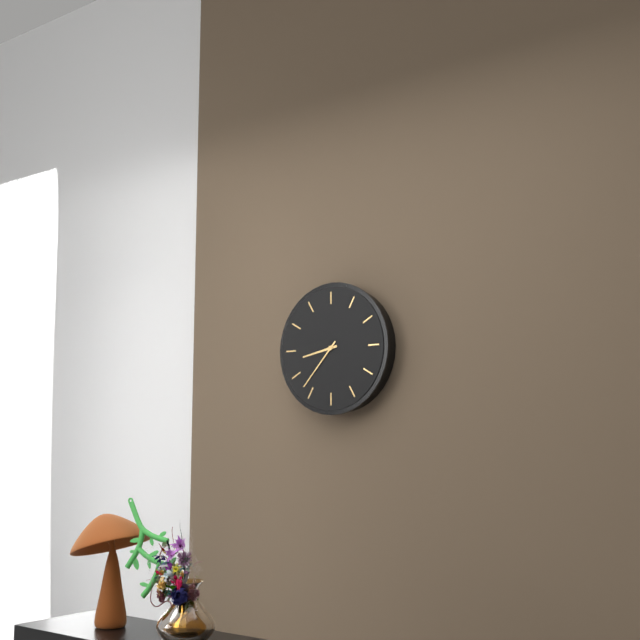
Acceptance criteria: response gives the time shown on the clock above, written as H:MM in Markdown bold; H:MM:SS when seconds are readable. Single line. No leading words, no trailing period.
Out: **8:37**
